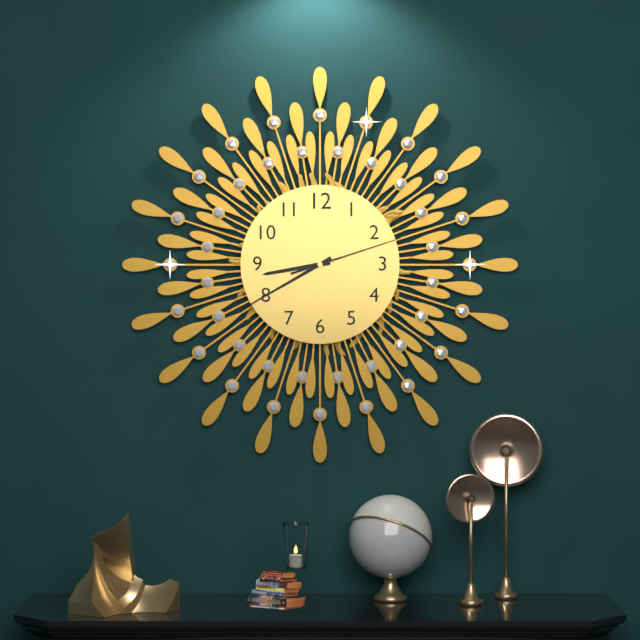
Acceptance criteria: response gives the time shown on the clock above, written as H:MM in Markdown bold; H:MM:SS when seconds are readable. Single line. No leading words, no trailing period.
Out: **8:40:12**
